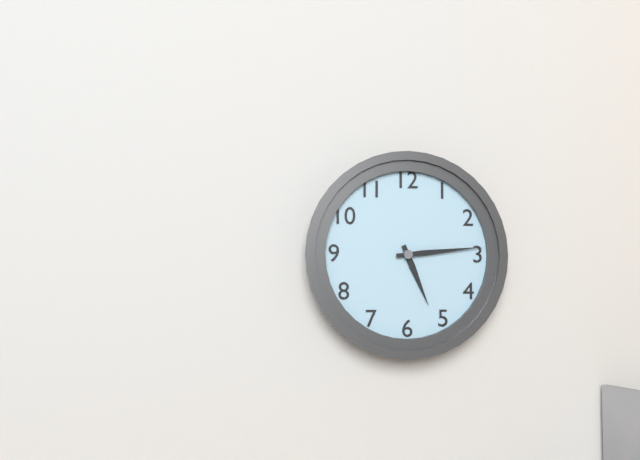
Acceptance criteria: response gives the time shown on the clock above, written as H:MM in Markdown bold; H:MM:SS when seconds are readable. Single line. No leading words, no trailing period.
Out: **5:14**
